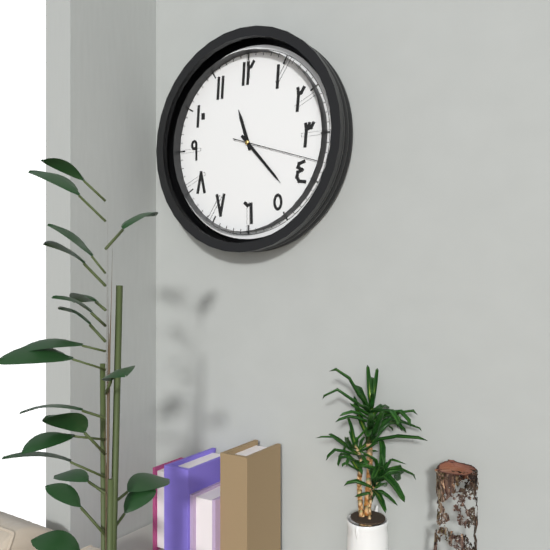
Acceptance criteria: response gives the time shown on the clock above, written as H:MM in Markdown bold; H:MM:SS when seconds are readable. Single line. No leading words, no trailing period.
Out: **11:23:18**
